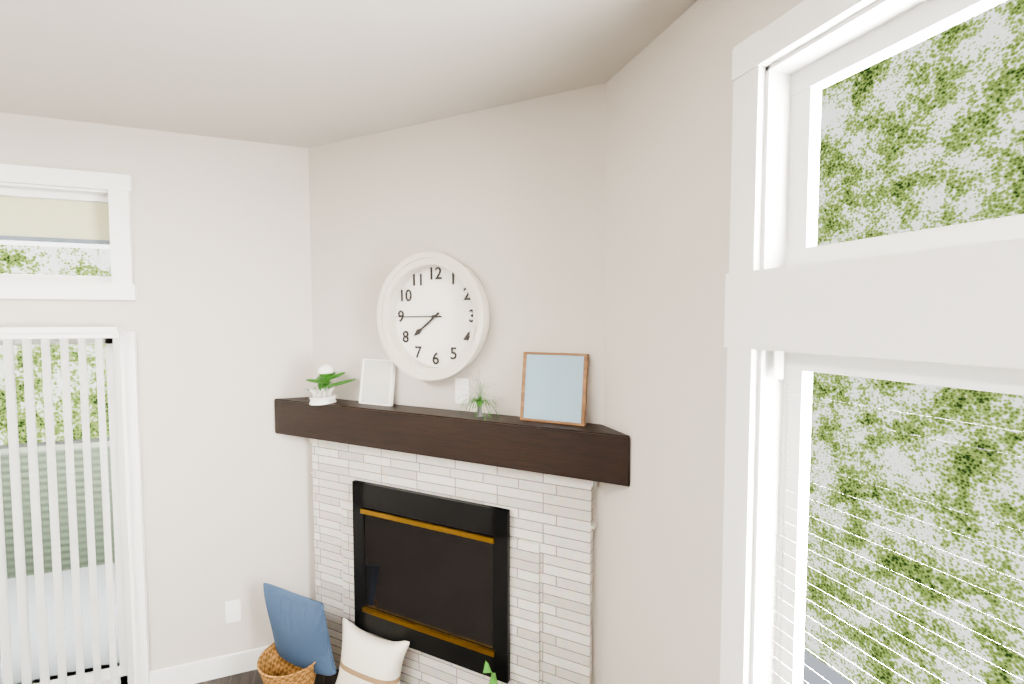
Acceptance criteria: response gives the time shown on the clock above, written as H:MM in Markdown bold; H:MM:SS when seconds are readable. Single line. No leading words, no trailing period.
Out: **7:45**
